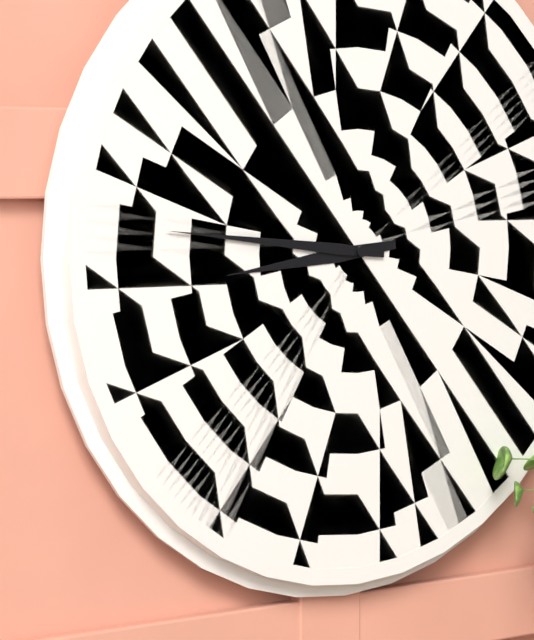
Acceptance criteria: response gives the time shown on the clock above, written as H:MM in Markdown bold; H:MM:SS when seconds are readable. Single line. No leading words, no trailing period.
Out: **8:46**
